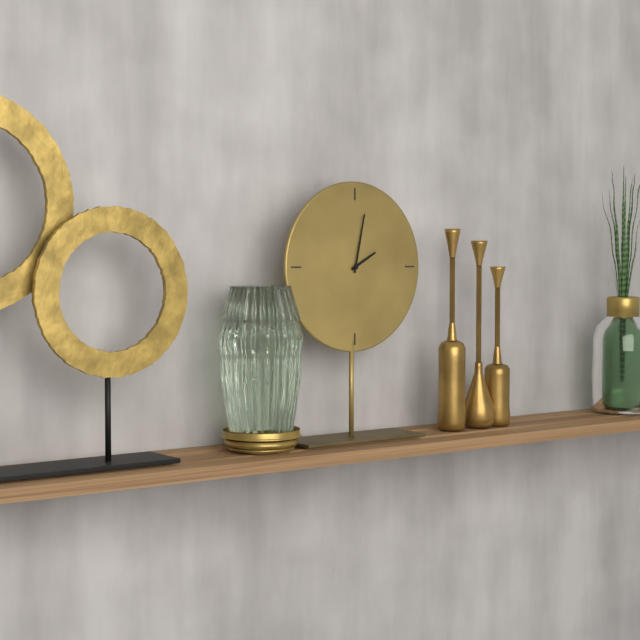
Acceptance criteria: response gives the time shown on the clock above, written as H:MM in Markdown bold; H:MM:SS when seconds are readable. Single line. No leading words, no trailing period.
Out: **2:02**
